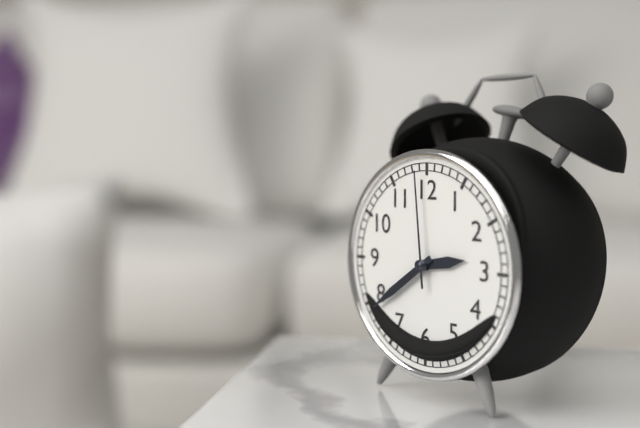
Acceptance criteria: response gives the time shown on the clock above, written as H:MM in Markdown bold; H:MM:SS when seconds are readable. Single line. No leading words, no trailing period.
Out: **2:39:59**
